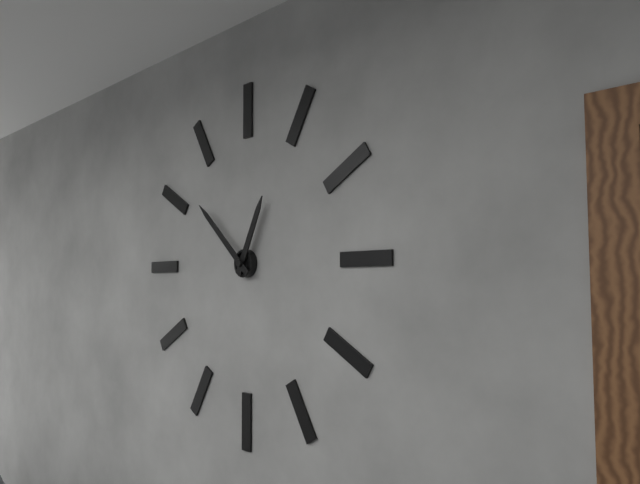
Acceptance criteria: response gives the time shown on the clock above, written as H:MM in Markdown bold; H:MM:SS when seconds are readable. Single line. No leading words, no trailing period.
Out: **12:52**
